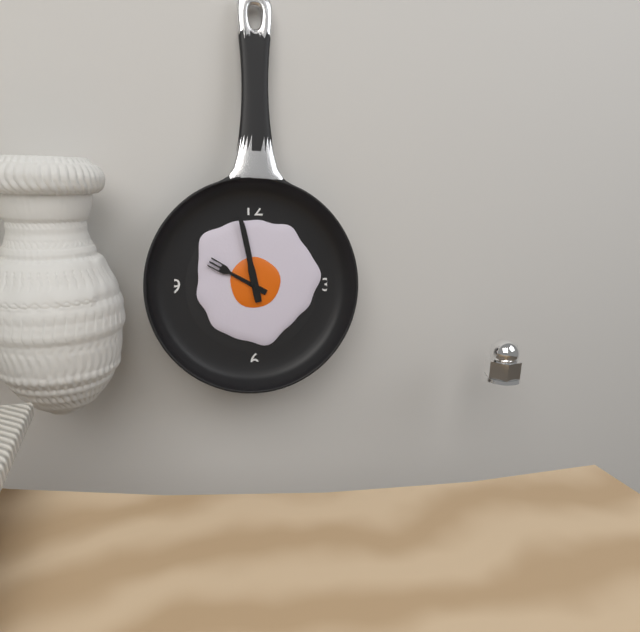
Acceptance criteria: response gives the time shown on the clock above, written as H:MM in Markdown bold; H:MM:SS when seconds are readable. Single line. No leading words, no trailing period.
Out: **9:58**
